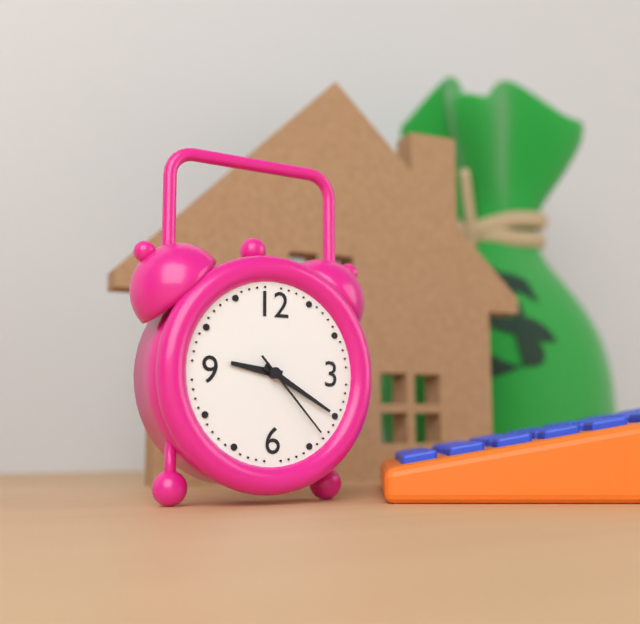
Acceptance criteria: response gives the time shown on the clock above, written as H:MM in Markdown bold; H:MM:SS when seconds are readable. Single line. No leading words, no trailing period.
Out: **9:20:23**
